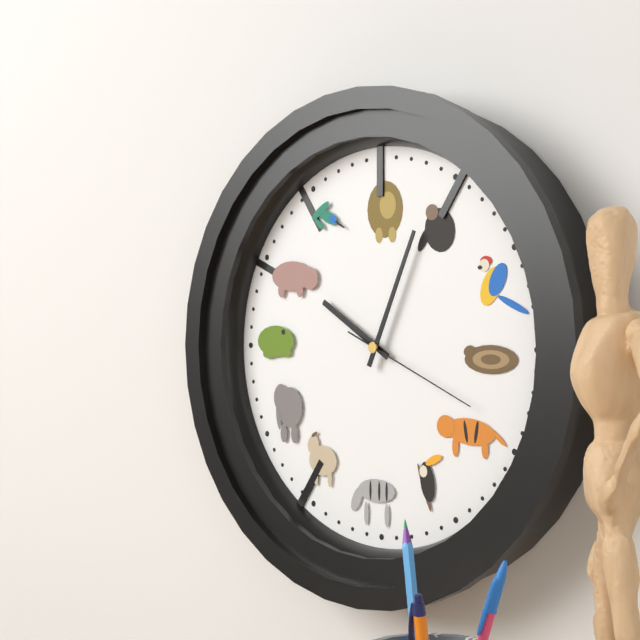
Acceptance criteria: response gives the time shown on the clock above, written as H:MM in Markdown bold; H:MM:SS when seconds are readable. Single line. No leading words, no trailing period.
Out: **10:04:19**
